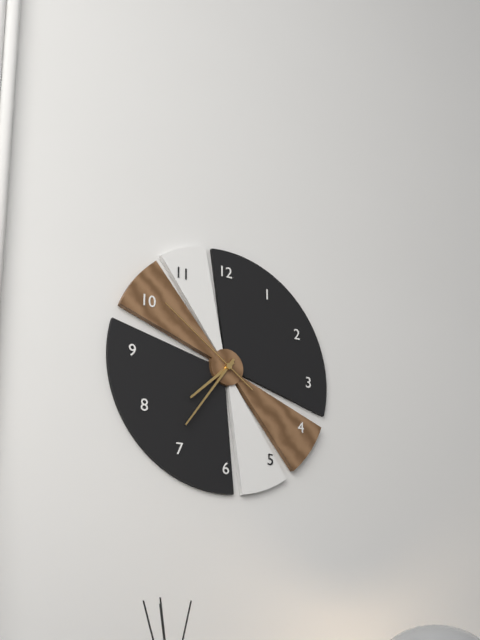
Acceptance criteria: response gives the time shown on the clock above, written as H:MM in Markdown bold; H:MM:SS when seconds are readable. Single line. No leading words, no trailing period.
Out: **7:36:51**
